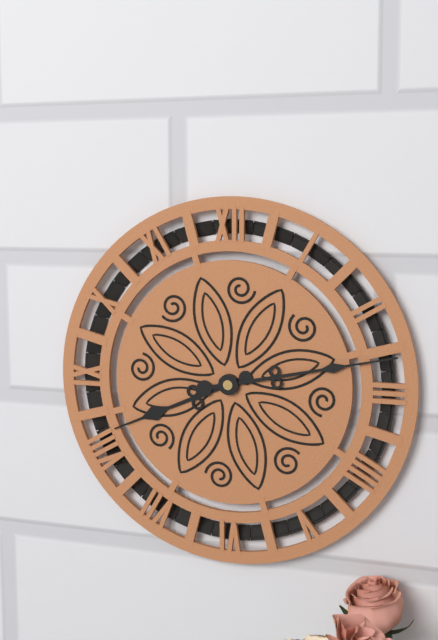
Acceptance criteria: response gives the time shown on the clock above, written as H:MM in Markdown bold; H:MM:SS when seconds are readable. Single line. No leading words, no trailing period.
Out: **8:13**
